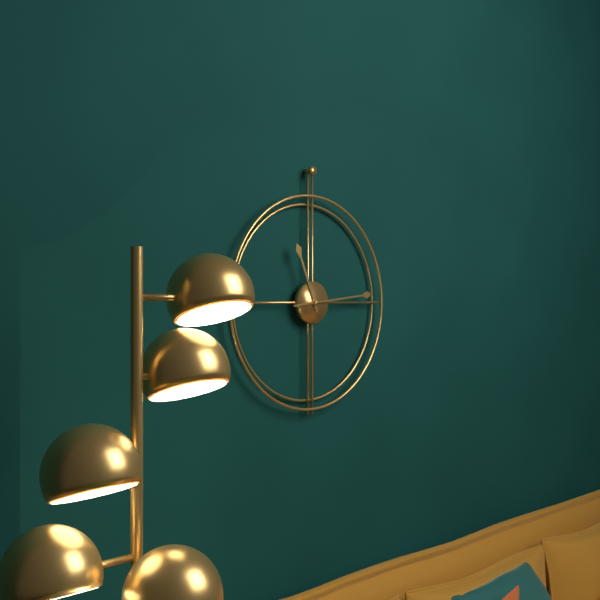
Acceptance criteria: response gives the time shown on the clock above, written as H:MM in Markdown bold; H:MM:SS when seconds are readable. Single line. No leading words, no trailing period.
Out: **11:14**
